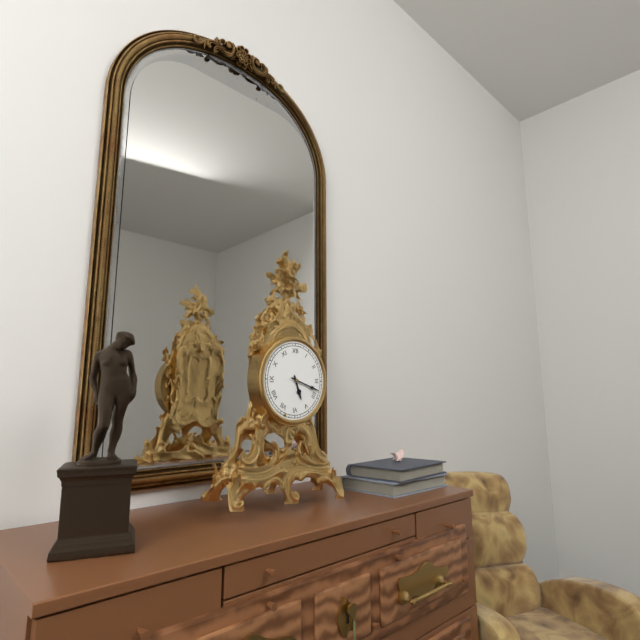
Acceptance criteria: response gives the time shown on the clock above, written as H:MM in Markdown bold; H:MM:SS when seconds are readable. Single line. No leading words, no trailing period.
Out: **5:18**
